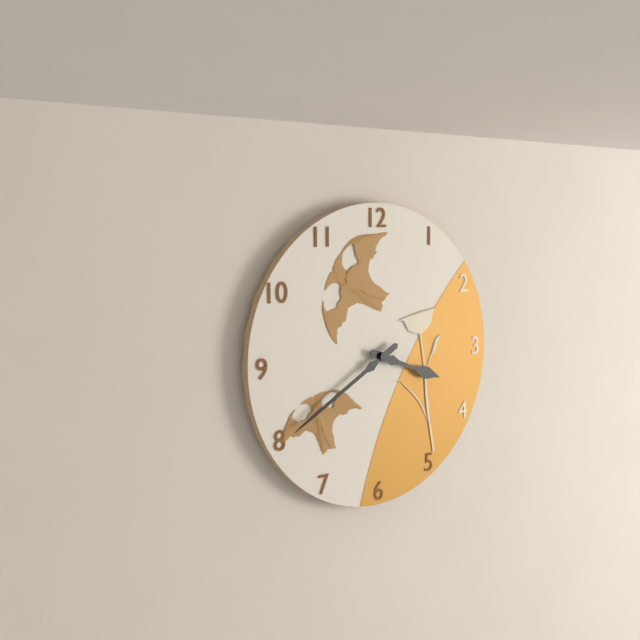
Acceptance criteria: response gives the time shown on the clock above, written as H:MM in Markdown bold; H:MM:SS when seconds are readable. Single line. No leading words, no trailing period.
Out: **3:40**
